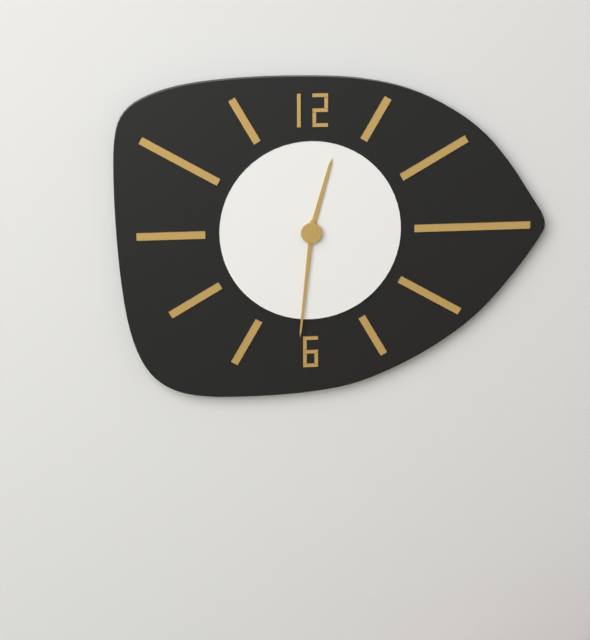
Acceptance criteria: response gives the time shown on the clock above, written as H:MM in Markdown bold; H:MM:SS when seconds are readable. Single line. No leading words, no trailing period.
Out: **12:31**
